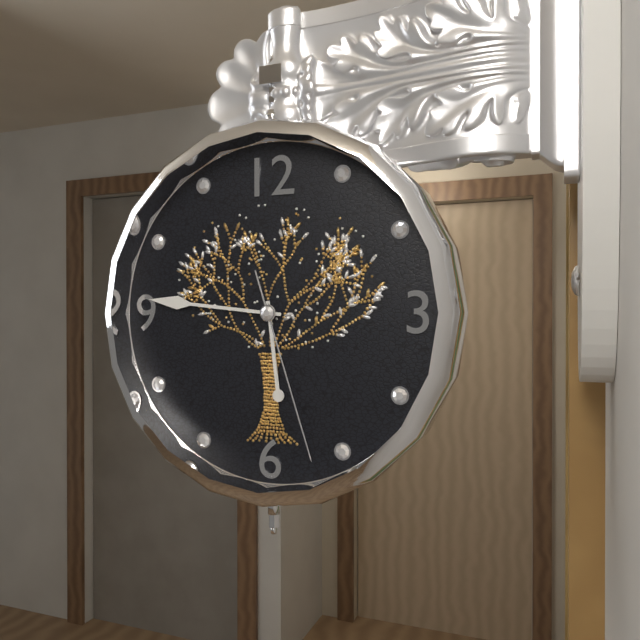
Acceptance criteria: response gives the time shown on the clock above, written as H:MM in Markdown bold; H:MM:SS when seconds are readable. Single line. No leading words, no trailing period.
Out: **5:46:27**
